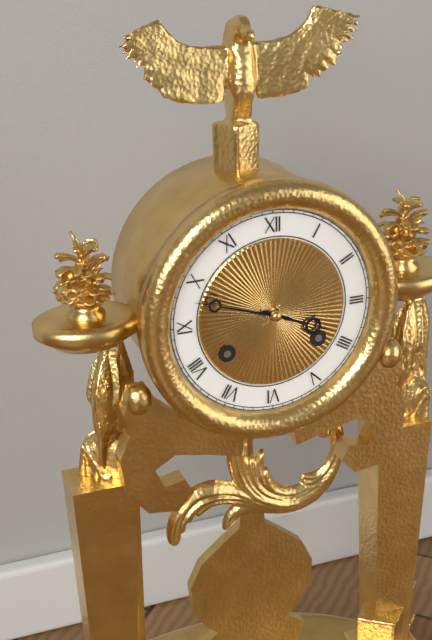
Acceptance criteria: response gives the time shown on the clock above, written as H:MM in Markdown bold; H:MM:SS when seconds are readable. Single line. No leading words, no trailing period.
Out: **3:48**
